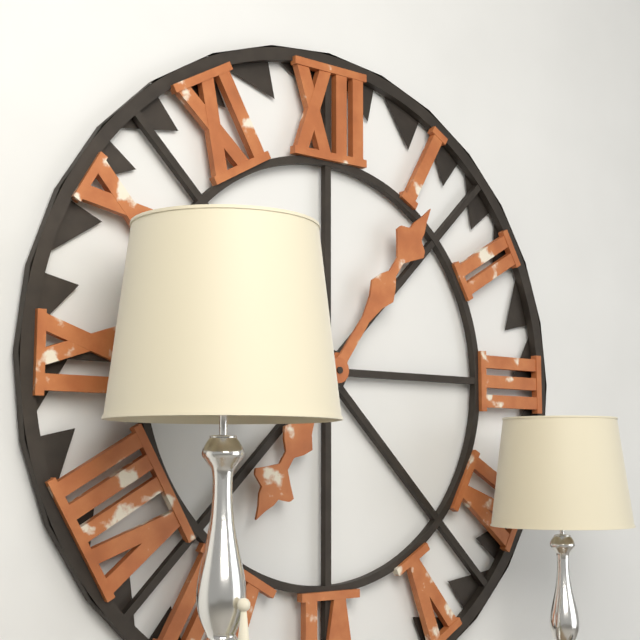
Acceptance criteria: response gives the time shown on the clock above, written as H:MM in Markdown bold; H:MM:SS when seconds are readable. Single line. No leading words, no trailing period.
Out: **7:06**
